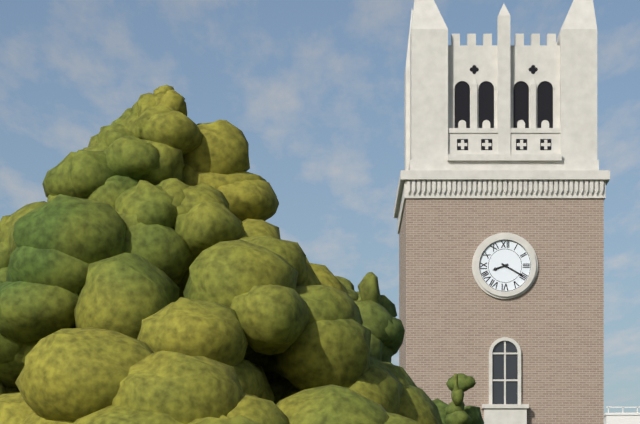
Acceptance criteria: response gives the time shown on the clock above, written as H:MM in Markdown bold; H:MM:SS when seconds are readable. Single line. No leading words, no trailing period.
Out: **8:20**
